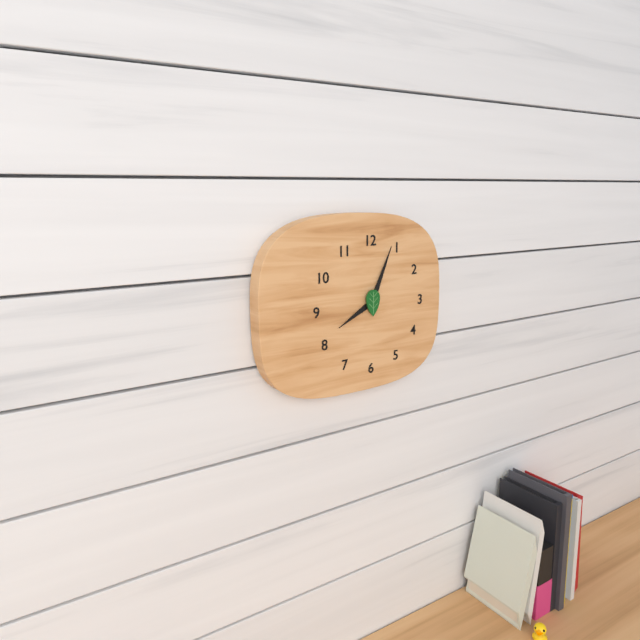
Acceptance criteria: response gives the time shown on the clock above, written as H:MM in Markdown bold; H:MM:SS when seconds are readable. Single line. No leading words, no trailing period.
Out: **8:04**
